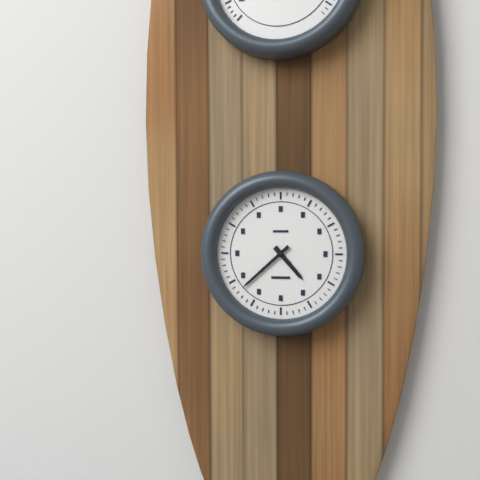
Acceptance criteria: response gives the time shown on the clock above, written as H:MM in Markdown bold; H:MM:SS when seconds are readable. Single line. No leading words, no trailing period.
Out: **4:38**
